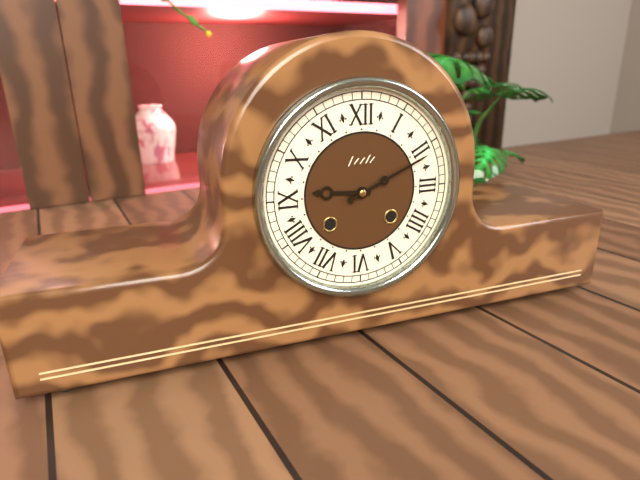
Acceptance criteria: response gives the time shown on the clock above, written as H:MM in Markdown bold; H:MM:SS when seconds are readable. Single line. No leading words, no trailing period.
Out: **9:11**
